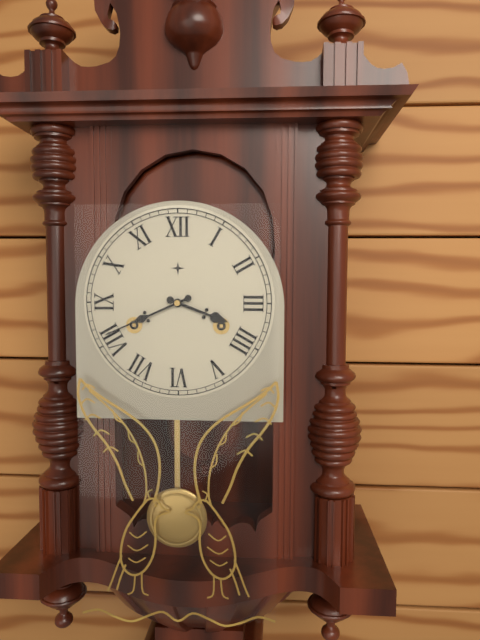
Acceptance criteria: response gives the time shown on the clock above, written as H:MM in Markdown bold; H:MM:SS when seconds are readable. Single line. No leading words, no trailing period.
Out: **3:41**
